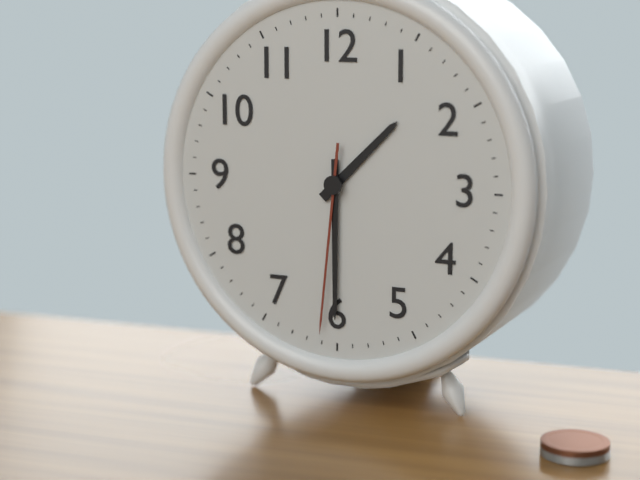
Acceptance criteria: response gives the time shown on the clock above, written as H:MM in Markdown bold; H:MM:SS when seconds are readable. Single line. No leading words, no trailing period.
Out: **1:30:31**
